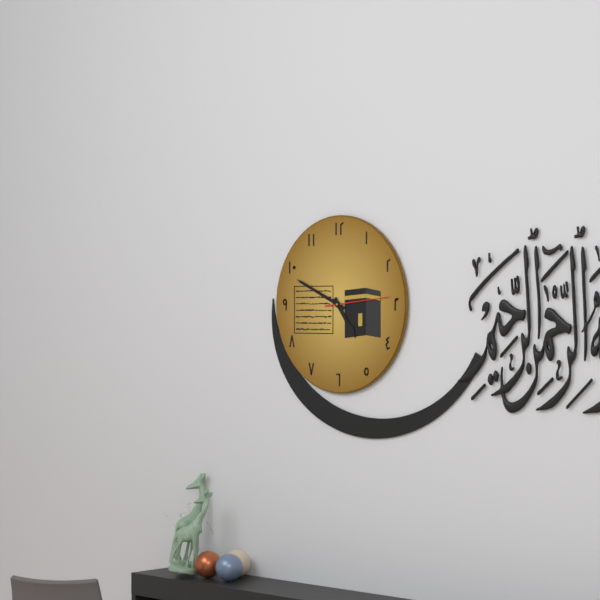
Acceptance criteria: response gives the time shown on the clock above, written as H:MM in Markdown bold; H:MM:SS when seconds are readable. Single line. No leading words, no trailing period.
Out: **4:49:14**
